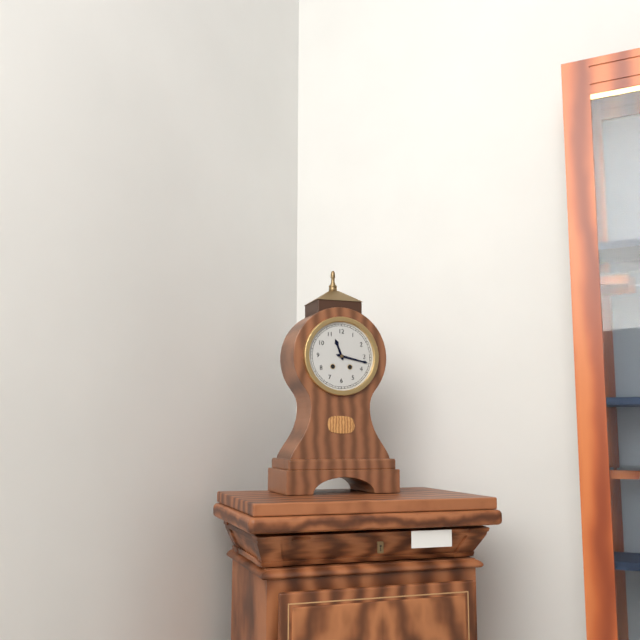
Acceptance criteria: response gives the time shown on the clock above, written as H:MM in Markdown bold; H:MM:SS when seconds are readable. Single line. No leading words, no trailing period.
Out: **11:17**
